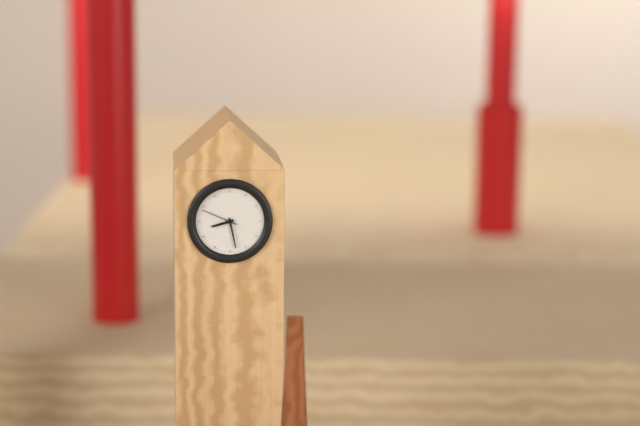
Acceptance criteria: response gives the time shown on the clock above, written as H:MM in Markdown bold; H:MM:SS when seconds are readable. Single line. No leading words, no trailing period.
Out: **8:28**
